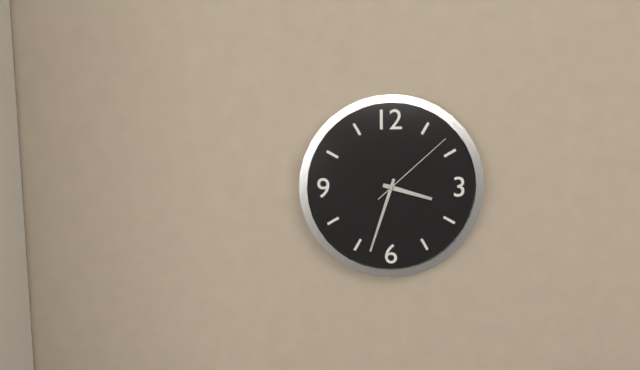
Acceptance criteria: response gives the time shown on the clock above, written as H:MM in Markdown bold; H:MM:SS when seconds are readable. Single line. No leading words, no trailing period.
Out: **3:33:08**
